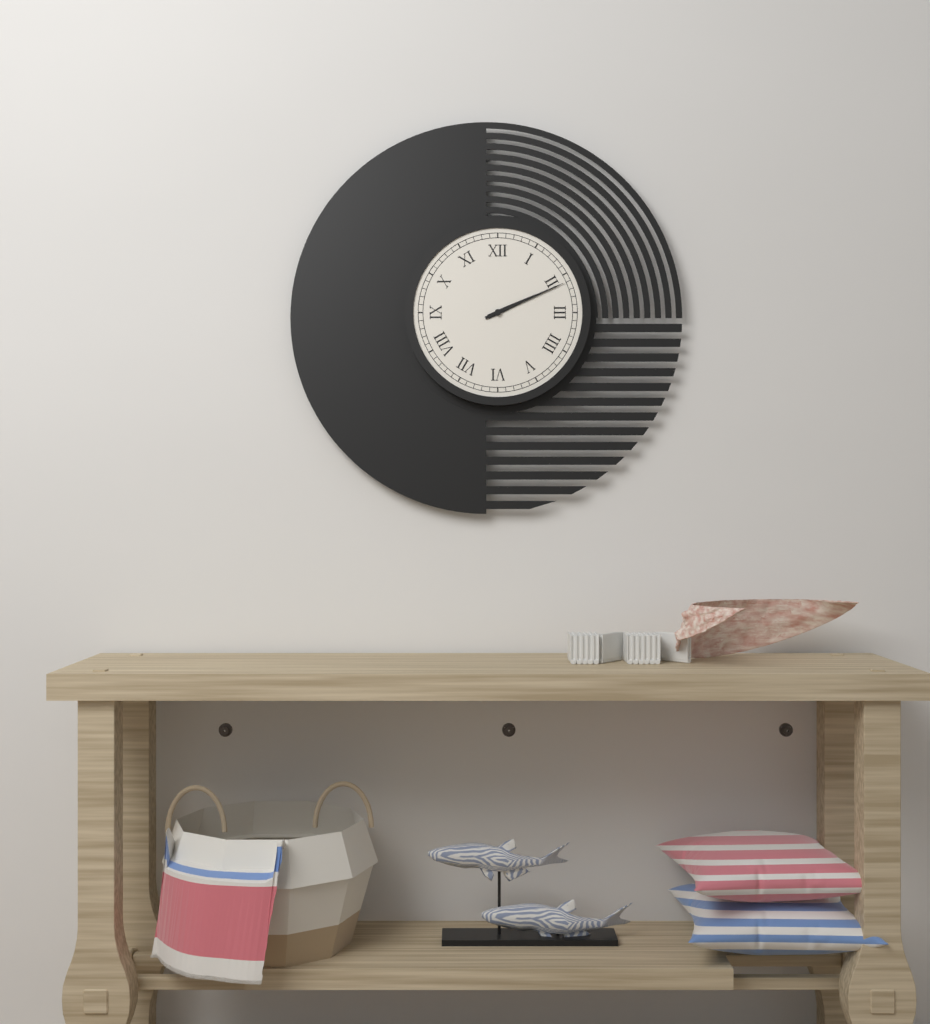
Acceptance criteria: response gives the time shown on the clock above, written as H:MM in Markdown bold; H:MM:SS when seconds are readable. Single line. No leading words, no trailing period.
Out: **2:11**
